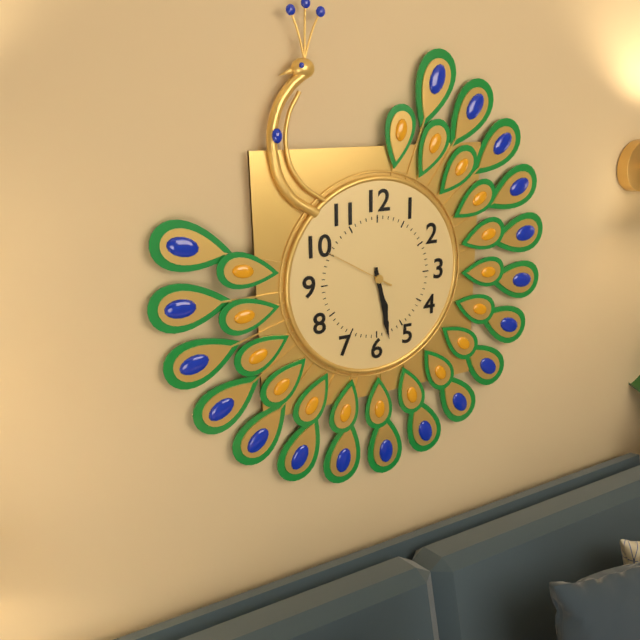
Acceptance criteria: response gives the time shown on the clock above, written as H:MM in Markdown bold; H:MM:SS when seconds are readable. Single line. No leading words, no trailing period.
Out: **5:28:50**
